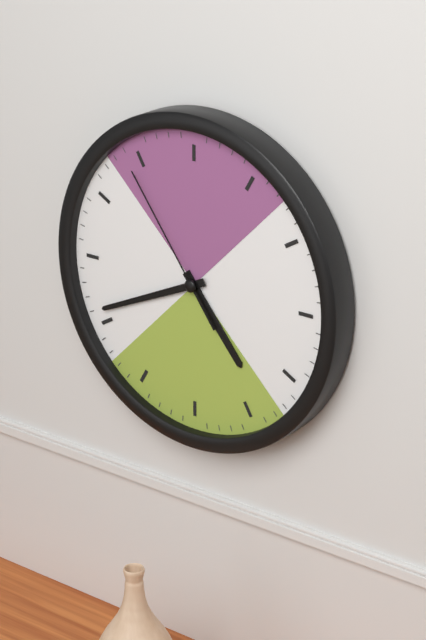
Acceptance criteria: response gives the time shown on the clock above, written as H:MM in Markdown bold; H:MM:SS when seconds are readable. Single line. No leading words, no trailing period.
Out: **4:41:54**
